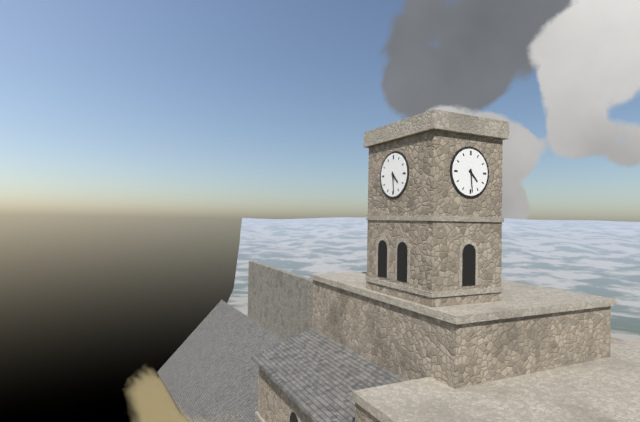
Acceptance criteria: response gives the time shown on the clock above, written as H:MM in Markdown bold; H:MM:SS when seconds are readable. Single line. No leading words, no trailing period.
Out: **4:29**
